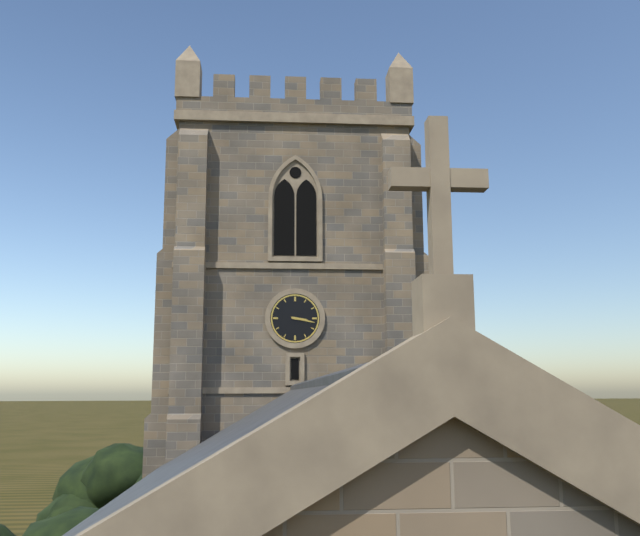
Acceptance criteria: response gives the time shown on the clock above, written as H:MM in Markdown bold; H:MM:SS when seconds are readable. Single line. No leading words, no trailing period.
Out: **3:17**
